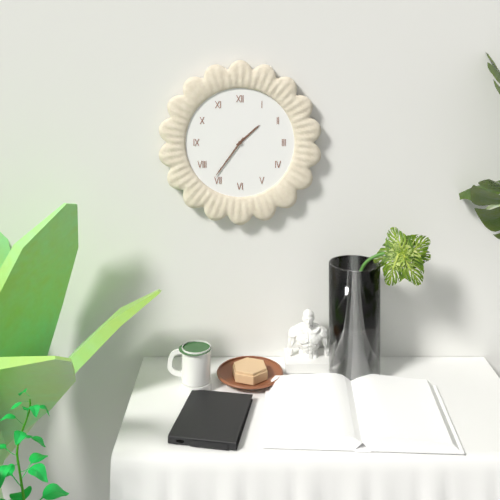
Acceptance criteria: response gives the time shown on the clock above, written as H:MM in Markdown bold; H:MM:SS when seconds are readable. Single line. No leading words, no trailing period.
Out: **1:36**
